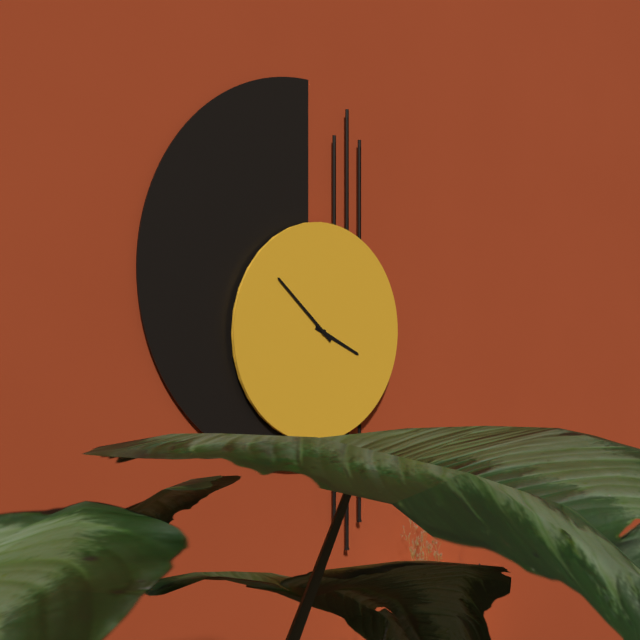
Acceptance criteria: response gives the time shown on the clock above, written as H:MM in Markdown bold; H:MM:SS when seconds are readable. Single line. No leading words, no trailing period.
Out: **3:52**
